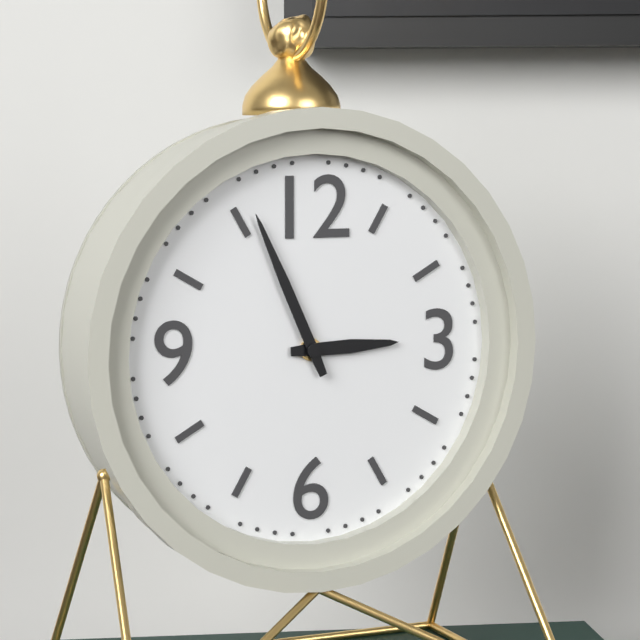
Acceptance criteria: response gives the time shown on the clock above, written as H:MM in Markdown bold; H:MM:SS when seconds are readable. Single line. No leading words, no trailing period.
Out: **2:56**
